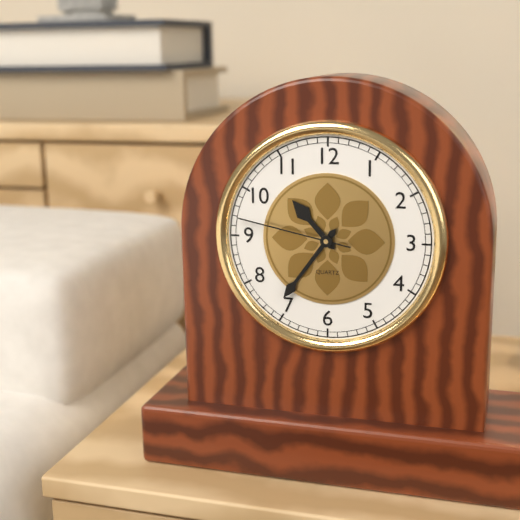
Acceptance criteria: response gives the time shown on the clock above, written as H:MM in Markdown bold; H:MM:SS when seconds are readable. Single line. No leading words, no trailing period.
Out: **10:36:47**
